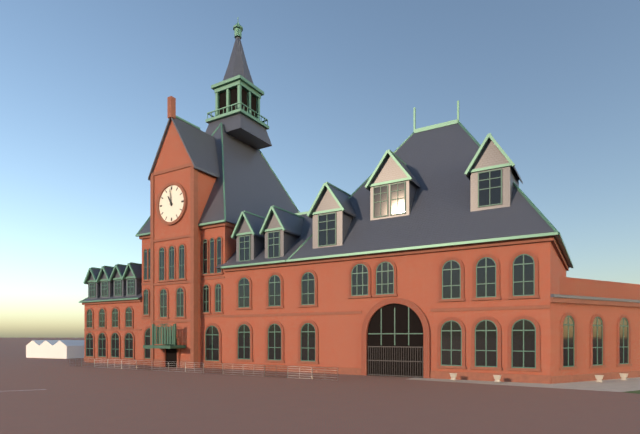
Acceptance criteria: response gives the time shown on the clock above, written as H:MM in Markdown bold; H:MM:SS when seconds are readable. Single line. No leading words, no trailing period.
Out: **10:59**
